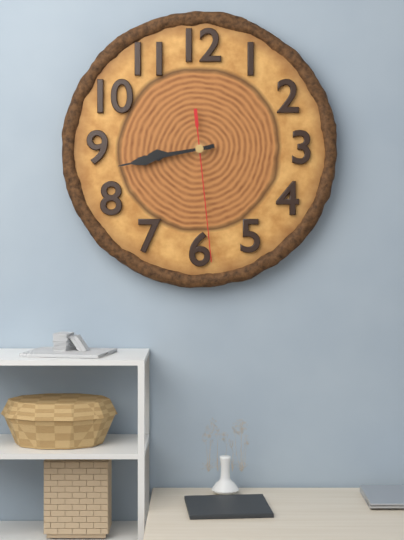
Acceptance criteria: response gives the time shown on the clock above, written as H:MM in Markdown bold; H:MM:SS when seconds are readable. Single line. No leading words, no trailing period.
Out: **8:43:29**
